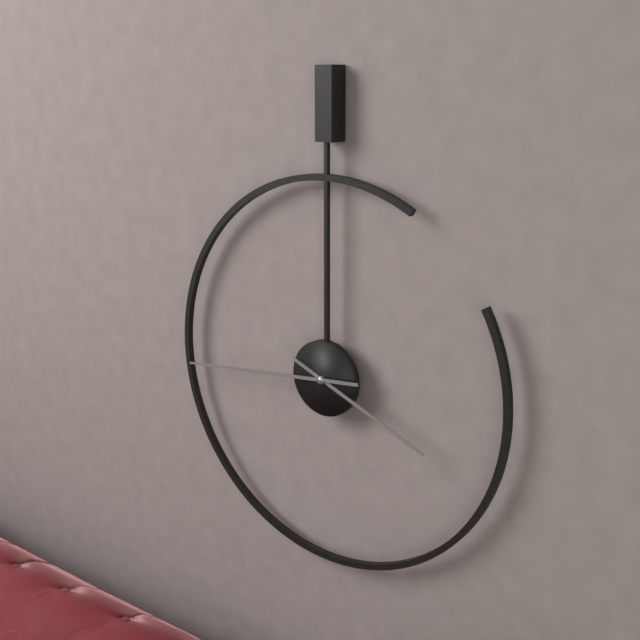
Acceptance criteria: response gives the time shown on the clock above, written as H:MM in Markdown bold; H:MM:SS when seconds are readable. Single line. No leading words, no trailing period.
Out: **3:44**
